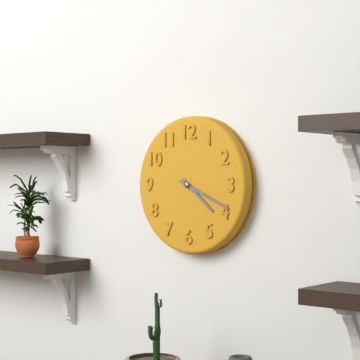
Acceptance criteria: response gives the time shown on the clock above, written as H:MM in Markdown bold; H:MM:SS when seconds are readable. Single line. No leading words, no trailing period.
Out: **4:19**
